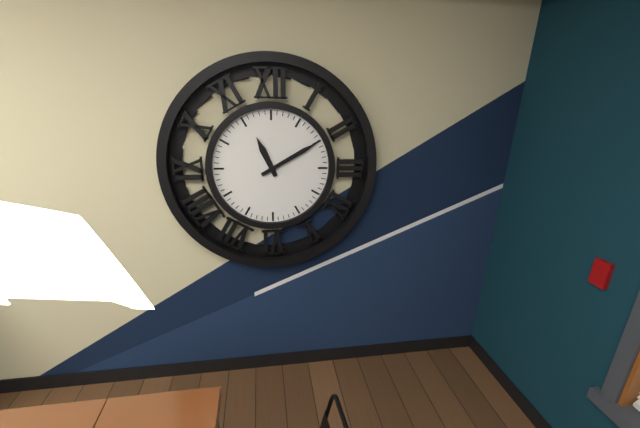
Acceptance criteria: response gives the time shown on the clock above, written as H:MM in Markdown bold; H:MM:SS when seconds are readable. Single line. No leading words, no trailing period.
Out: **11:10**
